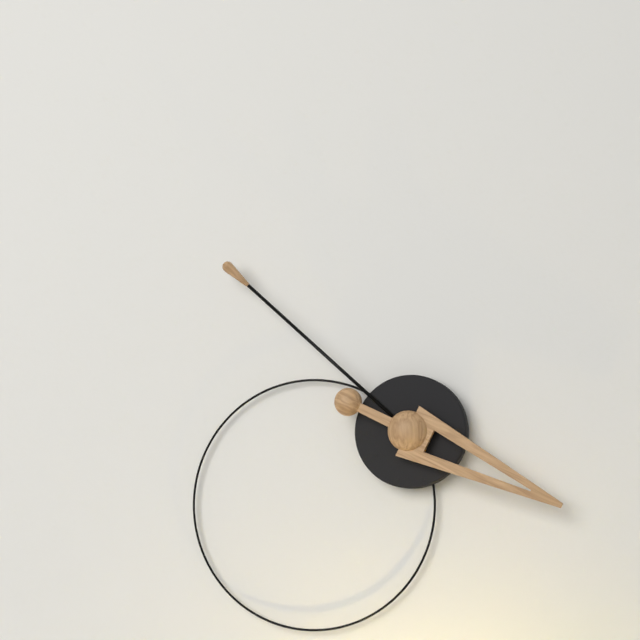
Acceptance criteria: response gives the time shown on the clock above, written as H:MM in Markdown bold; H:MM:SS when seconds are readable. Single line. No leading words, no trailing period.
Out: **3:52**
